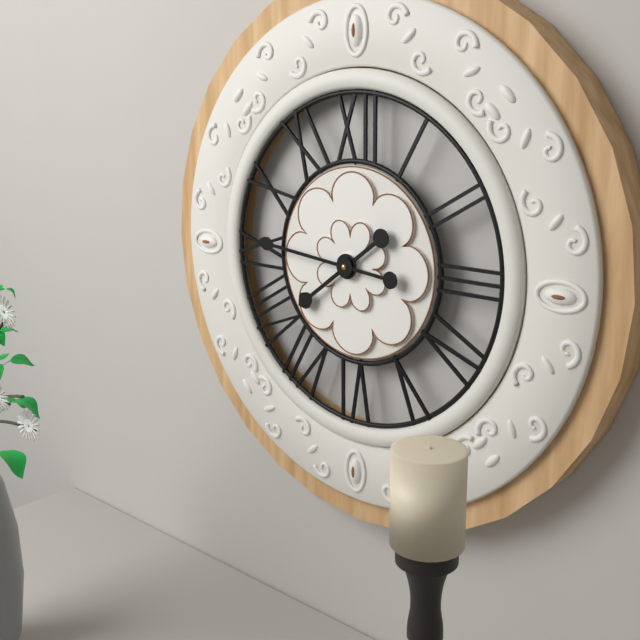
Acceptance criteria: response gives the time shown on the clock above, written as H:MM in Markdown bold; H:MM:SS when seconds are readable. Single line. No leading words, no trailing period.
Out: **7:46**
